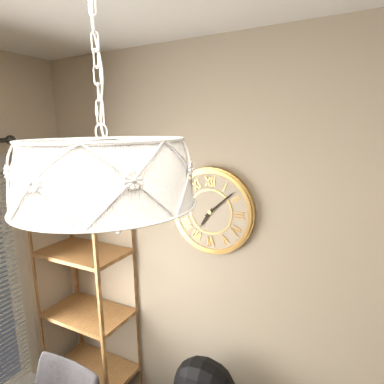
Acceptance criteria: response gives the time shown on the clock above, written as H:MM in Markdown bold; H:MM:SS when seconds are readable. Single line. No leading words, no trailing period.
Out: **7:08**
